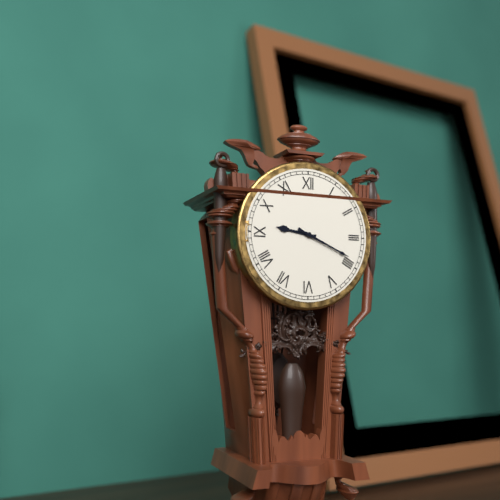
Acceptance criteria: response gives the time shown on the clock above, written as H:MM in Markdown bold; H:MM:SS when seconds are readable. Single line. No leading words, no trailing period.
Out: **9:19**
